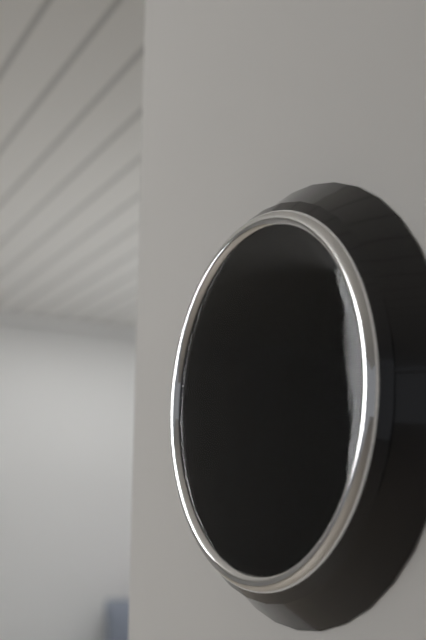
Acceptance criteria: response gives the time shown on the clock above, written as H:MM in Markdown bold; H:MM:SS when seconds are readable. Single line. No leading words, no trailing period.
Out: **11:57**
